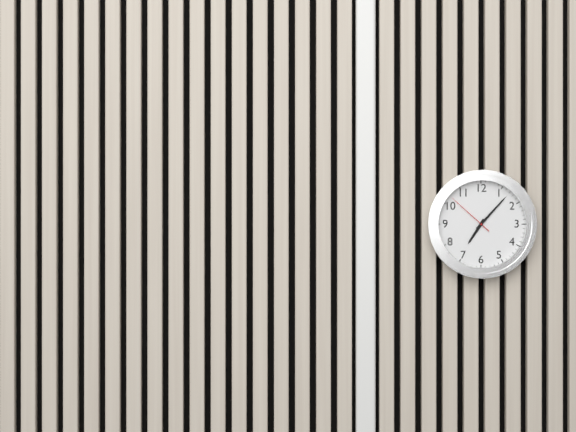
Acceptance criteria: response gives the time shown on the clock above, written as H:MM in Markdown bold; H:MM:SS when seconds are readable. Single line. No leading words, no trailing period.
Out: **7:07:52**
